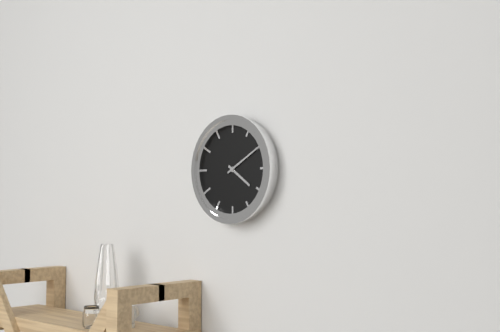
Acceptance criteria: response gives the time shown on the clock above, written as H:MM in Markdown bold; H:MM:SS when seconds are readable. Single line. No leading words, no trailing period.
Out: **4:10**
